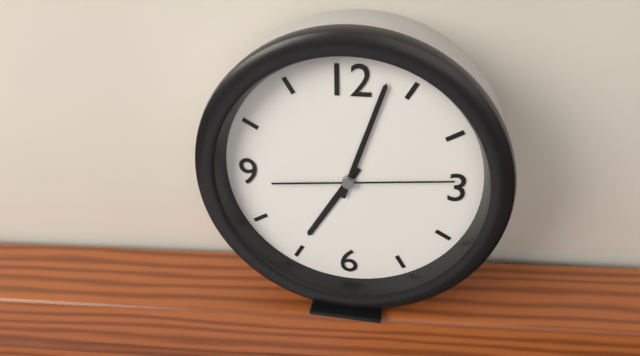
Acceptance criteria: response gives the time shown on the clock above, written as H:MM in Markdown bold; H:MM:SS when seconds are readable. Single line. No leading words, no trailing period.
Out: **7:03:14**
